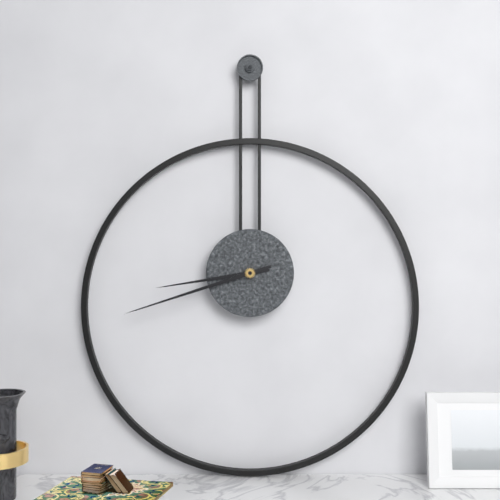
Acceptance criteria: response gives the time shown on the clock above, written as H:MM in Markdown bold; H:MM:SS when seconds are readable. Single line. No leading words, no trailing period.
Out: **8:42**
